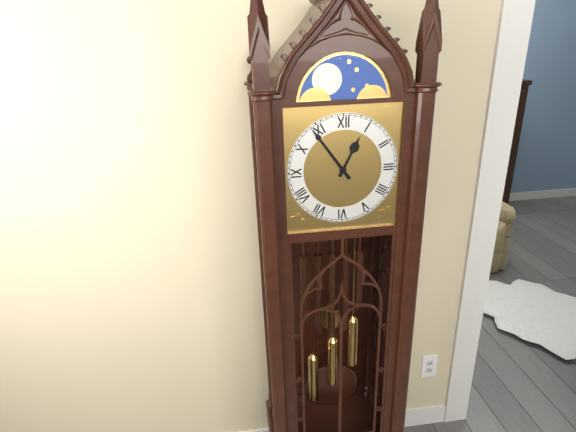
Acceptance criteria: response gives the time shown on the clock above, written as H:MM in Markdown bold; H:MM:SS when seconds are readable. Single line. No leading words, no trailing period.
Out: **12:54**
